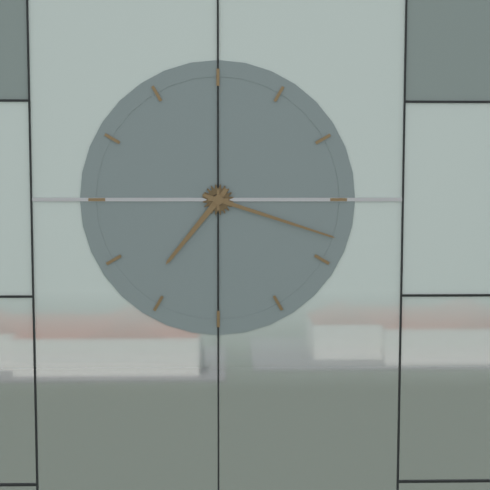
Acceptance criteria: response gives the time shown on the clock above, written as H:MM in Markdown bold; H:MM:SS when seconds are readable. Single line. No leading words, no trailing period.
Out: **7:18**
